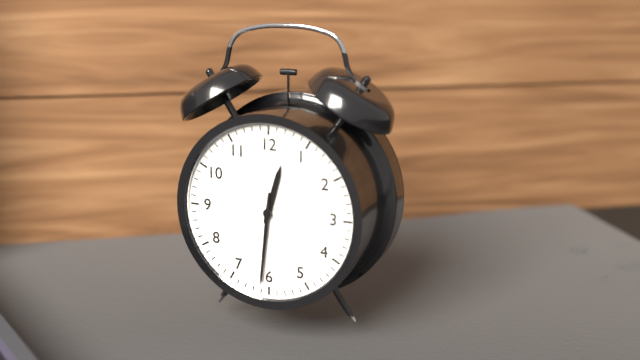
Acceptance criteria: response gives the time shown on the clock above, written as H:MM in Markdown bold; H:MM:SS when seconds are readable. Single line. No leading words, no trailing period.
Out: **12:31**
